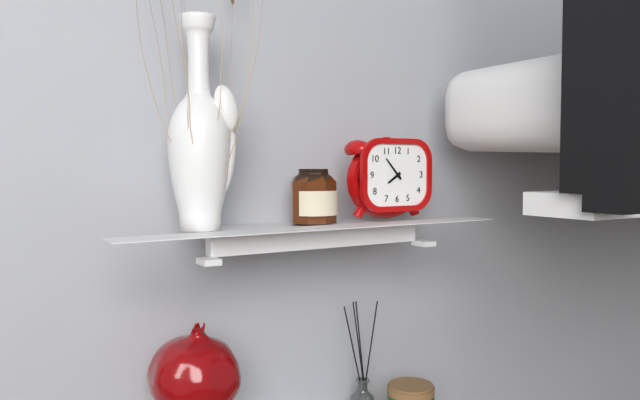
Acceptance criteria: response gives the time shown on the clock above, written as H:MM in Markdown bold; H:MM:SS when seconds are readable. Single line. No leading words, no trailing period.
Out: **7:53**
